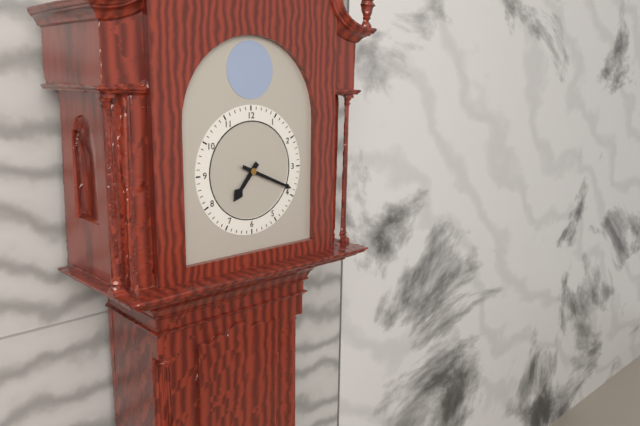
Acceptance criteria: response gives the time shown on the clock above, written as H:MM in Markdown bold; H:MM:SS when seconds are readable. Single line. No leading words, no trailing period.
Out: **7:19**
